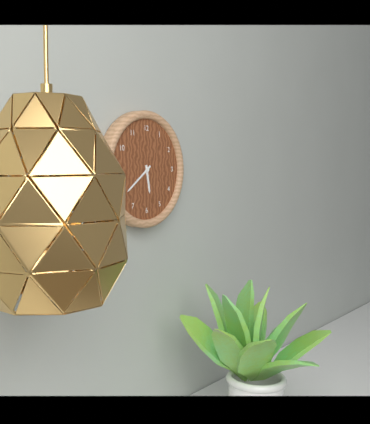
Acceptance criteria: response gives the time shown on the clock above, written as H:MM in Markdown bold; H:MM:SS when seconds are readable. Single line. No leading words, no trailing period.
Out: **5:39**
